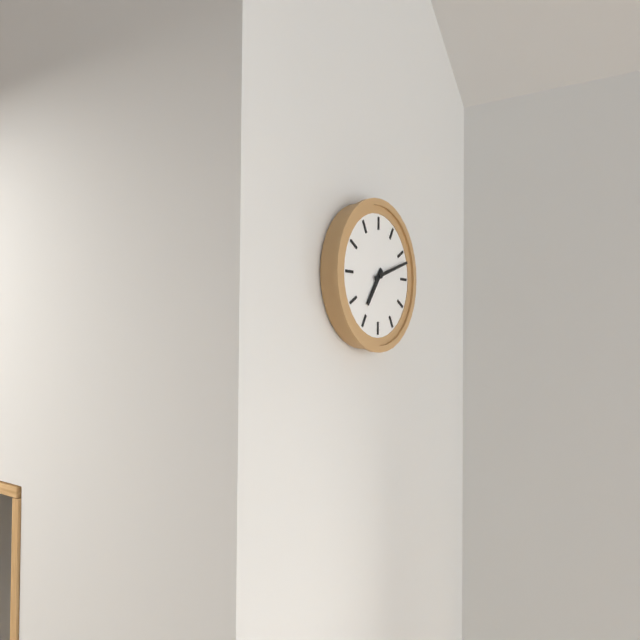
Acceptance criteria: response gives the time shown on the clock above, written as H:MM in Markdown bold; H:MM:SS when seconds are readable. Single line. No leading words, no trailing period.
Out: **7:12**
